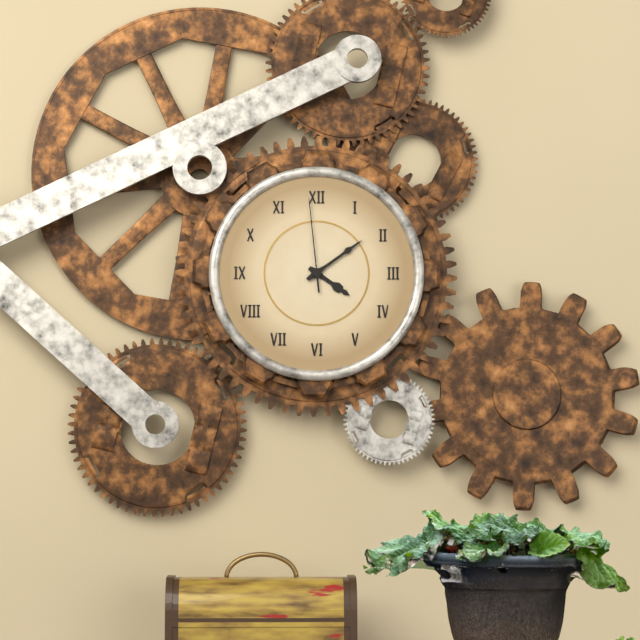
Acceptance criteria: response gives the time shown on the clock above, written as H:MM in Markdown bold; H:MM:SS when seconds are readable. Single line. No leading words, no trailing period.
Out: **4:09:59**
